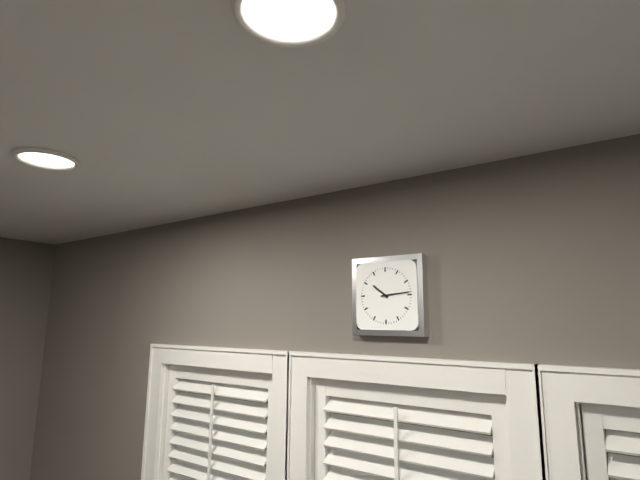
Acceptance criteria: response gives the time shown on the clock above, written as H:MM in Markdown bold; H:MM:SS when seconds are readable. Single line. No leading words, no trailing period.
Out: **10:14**
